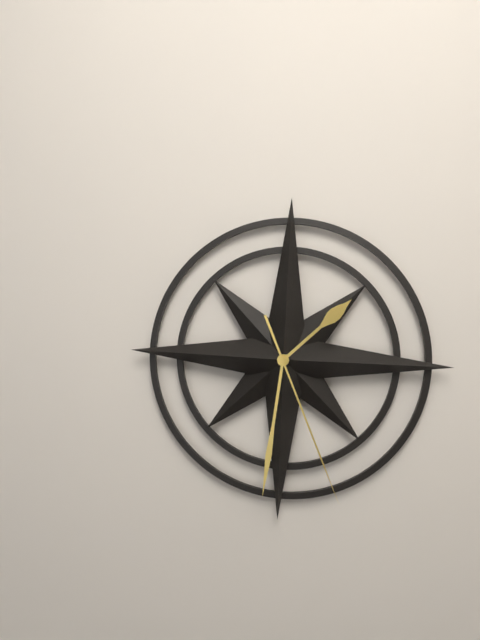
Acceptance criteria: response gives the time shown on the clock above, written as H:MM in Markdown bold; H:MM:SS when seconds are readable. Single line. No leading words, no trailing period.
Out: **1:31:26**
